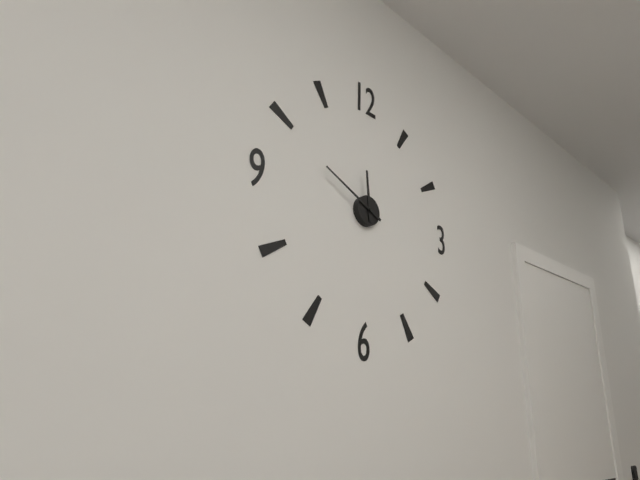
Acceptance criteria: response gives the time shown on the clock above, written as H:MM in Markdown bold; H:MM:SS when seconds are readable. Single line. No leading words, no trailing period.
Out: **11:49**
